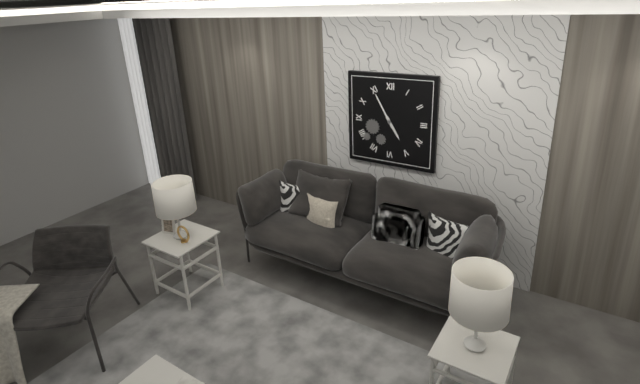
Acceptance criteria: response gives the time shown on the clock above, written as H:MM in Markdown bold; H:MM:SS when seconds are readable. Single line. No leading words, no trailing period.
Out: **4:55**
